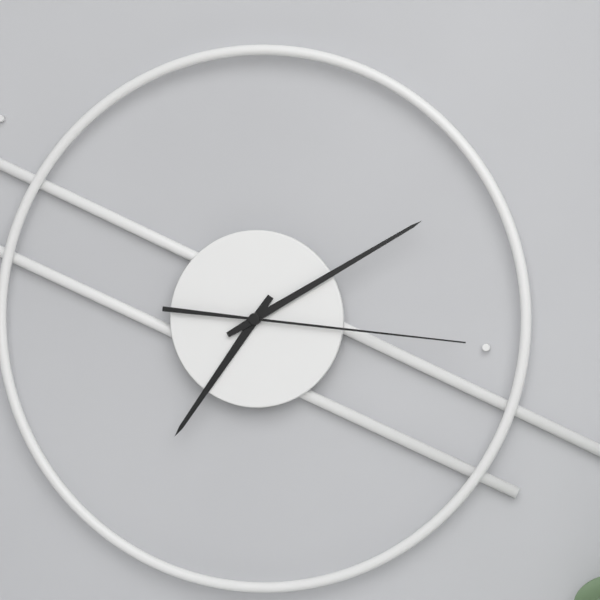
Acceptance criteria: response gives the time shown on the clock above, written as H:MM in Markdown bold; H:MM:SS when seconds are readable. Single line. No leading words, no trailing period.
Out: **7:10:16**
